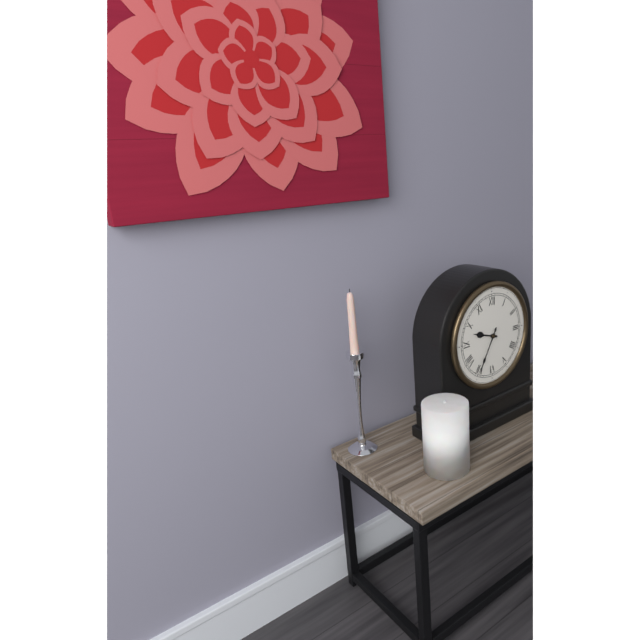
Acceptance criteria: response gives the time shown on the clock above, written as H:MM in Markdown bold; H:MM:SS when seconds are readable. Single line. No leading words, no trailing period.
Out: **9:35**
